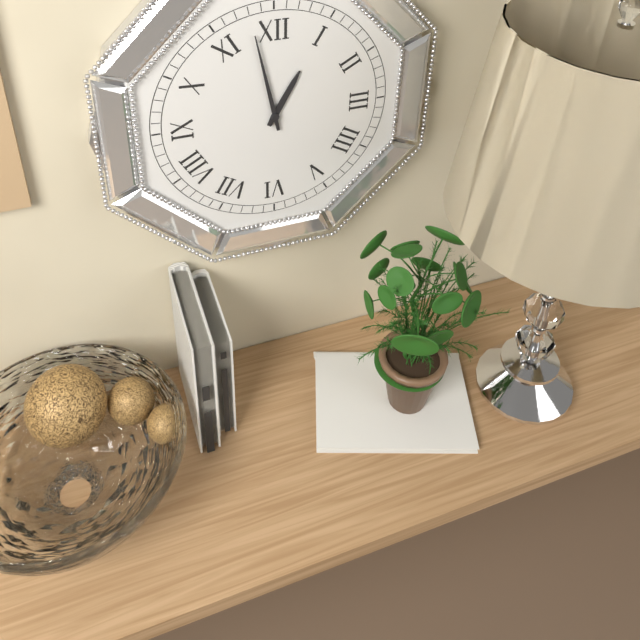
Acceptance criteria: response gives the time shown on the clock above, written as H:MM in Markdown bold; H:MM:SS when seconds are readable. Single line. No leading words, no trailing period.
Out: **12:58**
